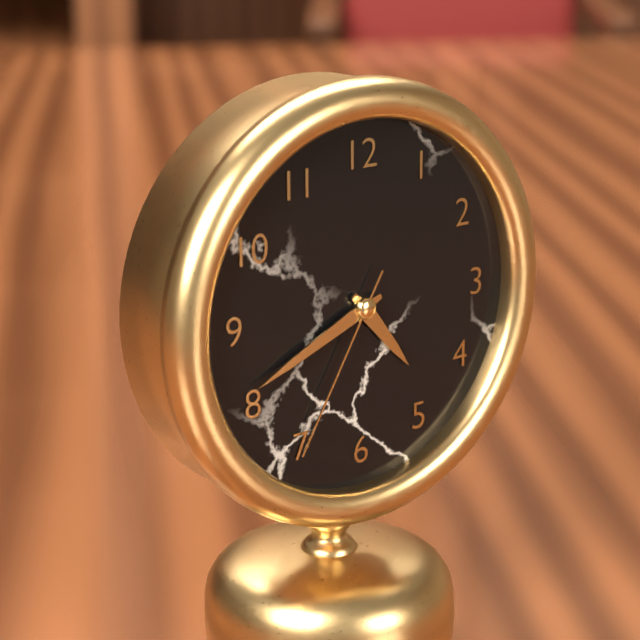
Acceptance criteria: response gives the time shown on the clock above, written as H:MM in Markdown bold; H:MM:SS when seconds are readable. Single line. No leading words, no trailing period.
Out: **4:41:35**
